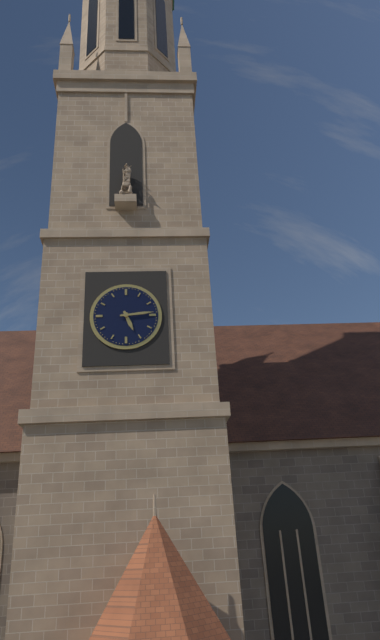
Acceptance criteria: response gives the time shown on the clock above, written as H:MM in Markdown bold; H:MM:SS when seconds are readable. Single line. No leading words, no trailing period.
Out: **5:14**
